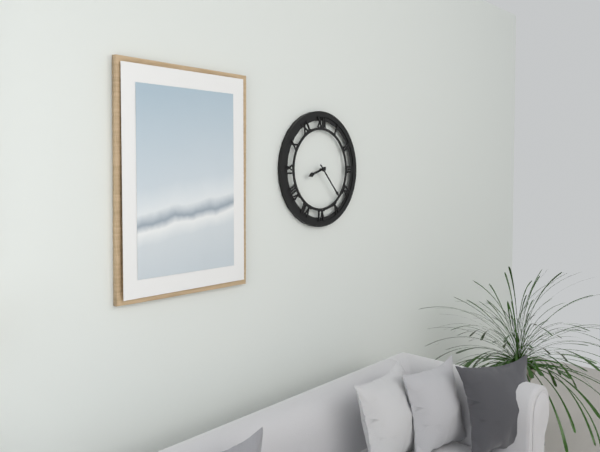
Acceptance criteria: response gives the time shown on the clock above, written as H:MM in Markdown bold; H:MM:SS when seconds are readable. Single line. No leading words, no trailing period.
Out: **8:23**
